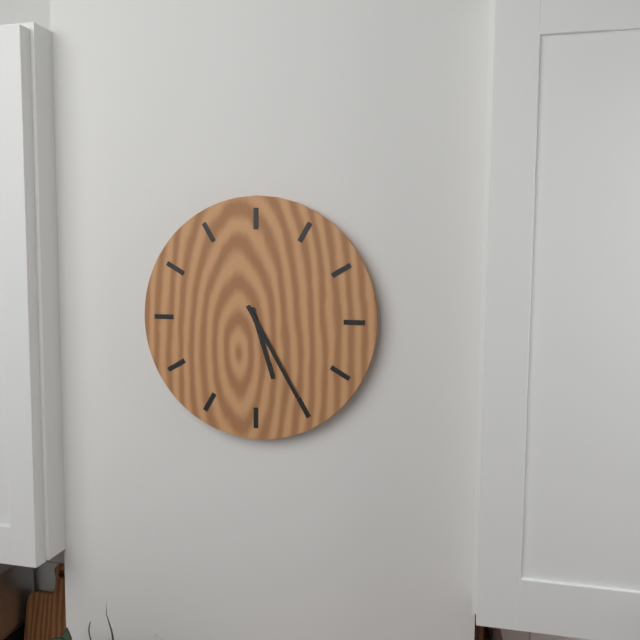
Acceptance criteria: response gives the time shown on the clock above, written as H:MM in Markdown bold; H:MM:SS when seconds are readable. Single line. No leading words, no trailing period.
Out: **5:25**
